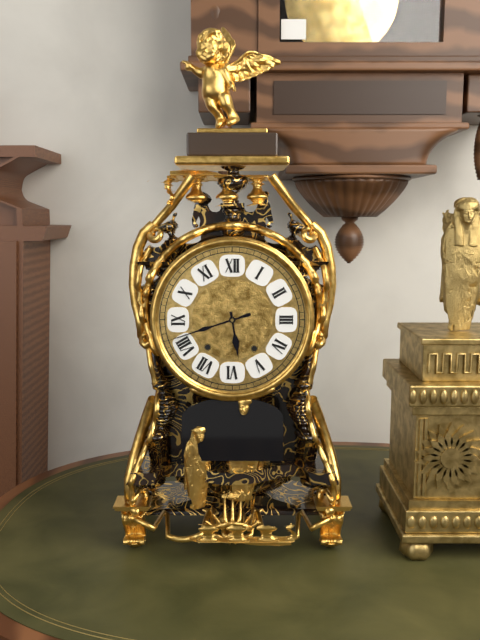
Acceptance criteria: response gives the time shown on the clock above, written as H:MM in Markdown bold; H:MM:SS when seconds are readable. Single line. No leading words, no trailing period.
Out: **5:42**
